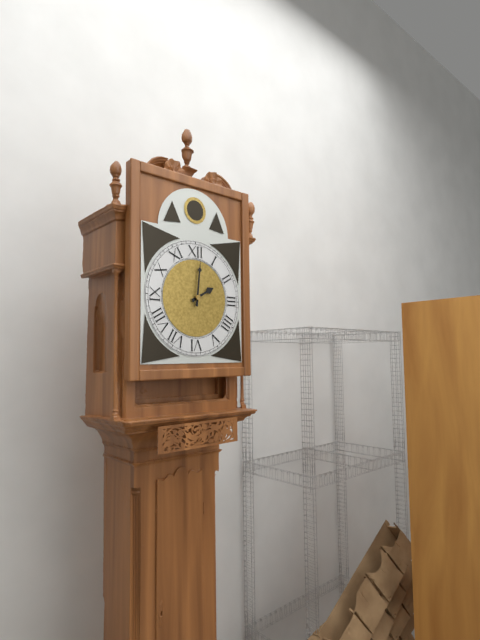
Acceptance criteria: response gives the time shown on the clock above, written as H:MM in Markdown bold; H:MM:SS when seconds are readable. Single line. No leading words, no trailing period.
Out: **2:01**
